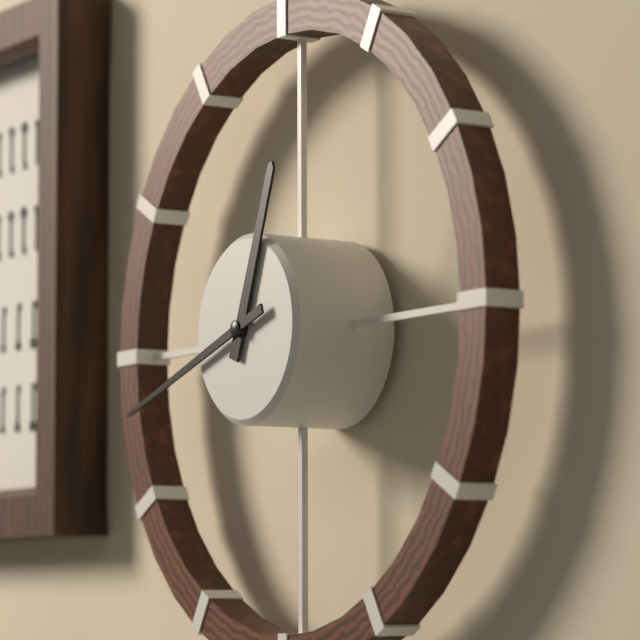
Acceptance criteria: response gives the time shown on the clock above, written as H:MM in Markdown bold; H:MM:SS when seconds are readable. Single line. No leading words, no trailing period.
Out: **12:42**
